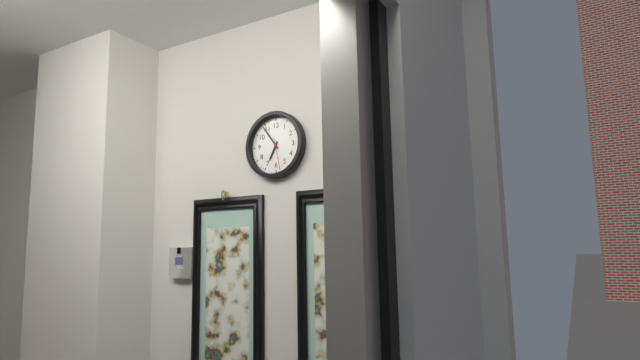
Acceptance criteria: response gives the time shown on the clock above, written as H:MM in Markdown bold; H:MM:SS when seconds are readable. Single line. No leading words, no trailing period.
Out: **6:54**
